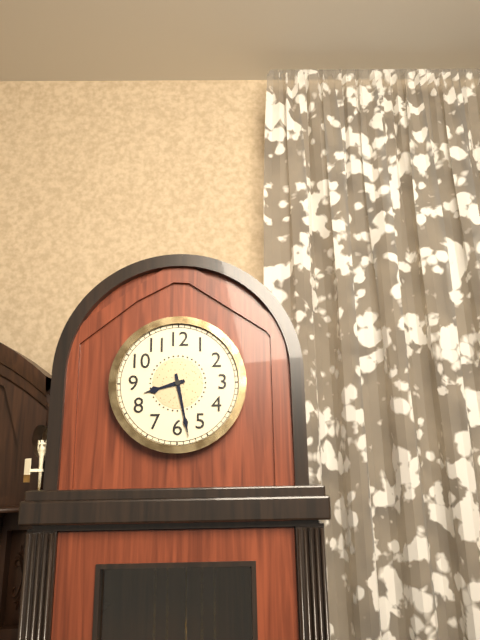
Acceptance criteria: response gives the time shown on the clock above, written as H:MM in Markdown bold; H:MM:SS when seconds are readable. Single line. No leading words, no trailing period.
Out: **8:28**
